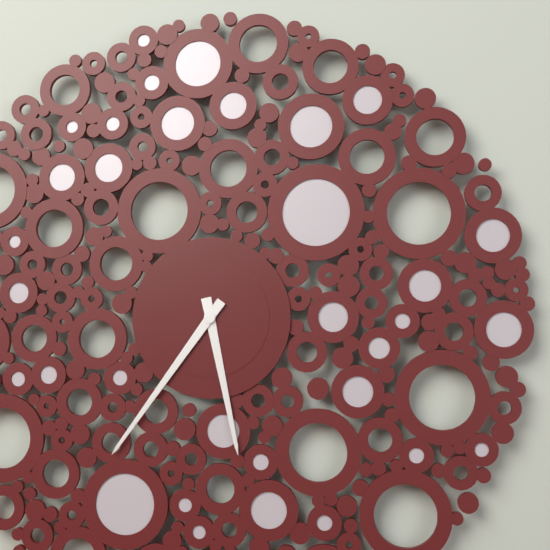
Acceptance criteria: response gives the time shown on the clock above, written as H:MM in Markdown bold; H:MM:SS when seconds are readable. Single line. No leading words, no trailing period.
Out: **5:36**
